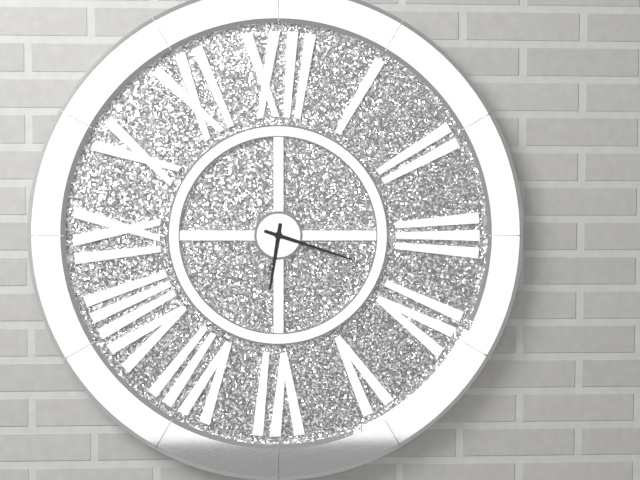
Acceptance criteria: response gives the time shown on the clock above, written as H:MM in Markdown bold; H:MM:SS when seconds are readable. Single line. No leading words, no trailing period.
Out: **6:18**
